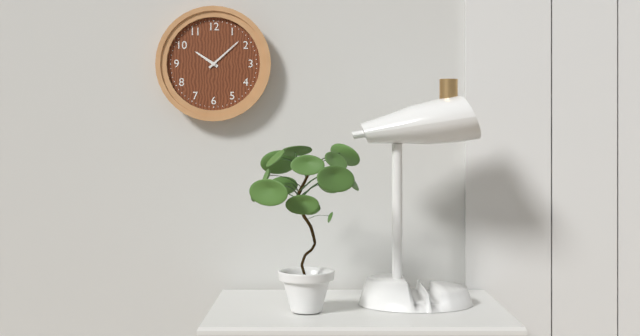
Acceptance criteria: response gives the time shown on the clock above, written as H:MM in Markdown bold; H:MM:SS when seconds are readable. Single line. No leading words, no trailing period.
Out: **10:08**
